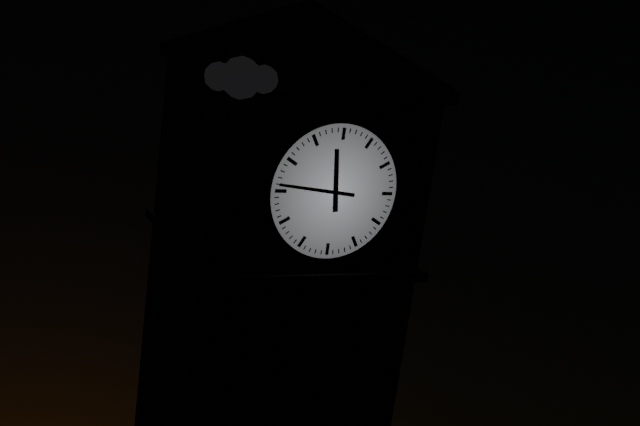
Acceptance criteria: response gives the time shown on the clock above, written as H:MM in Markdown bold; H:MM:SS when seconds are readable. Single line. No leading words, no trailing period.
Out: **11:46**
